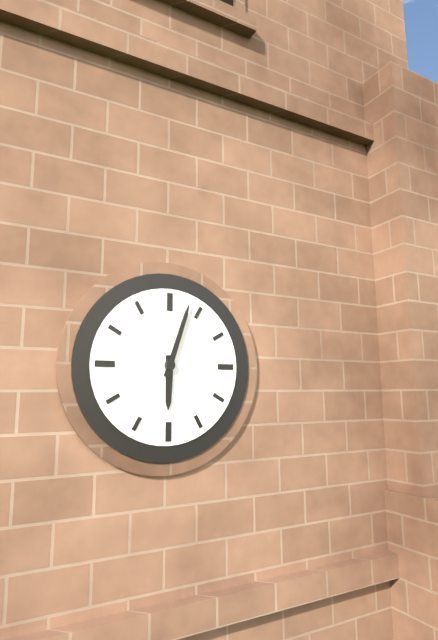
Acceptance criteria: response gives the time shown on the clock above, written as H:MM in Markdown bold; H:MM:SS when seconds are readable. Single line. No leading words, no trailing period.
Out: **6:03**
